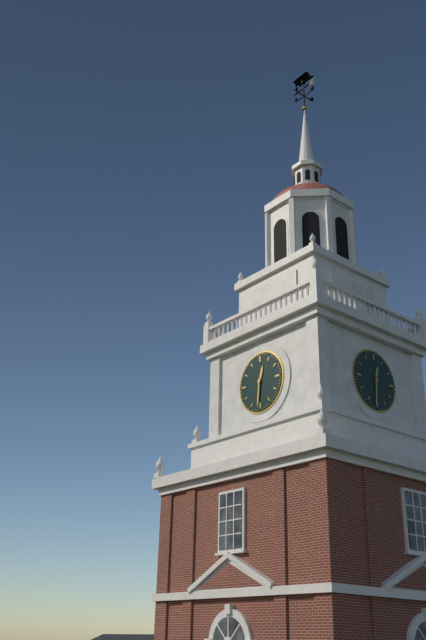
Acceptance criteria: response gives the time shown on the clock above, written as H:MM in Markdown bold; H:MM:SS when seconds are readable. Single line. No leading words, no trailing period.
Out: **12:31**
